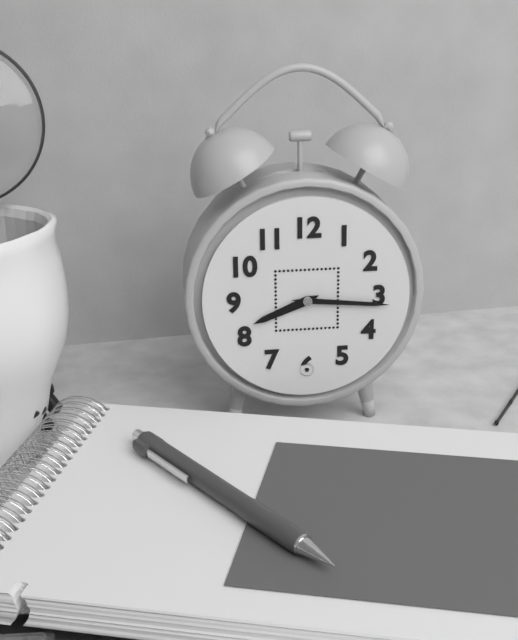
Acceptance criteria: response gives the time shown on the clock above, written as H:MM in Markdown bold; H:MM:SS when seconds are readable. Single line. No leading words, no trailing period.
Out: **8:16**
